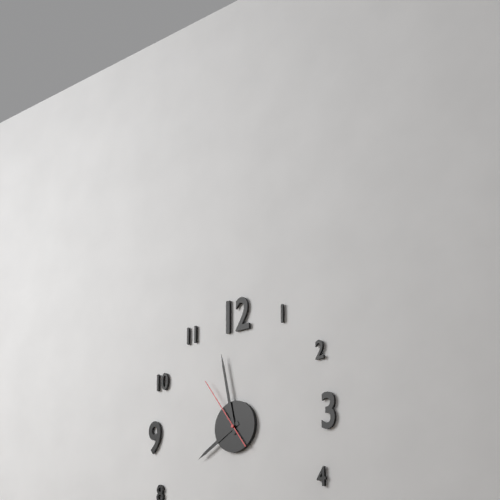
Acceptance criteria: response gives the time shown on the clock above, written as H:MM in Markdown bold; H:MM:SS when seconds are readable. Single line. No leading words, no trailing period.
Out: **7:58:54**
